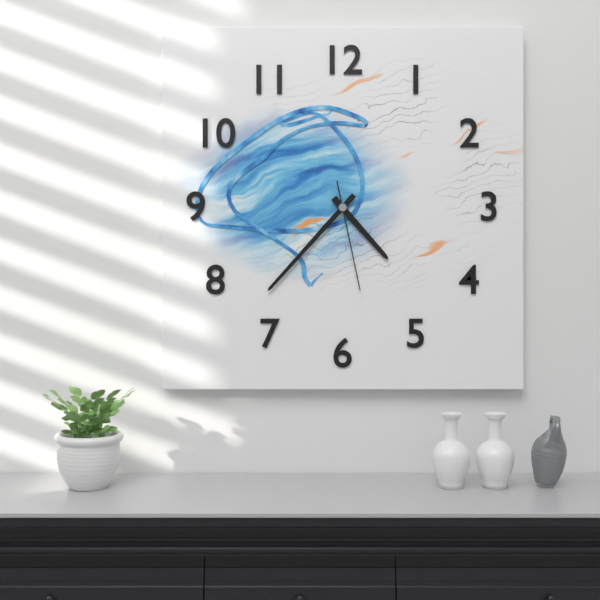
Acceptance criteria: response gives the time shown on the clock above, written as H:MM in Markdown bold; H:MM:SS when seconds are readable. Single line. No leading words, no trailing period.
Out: **4:37:28**
